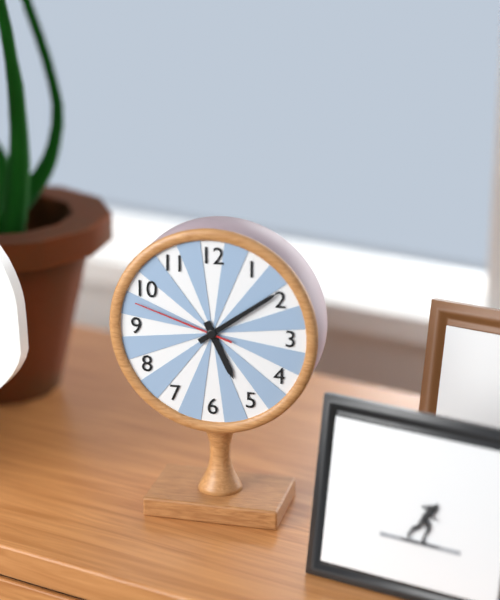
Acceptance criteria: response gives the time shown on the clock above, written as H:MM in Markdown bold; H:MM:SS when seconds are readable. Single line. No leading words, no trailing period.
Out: **5:09:48**
